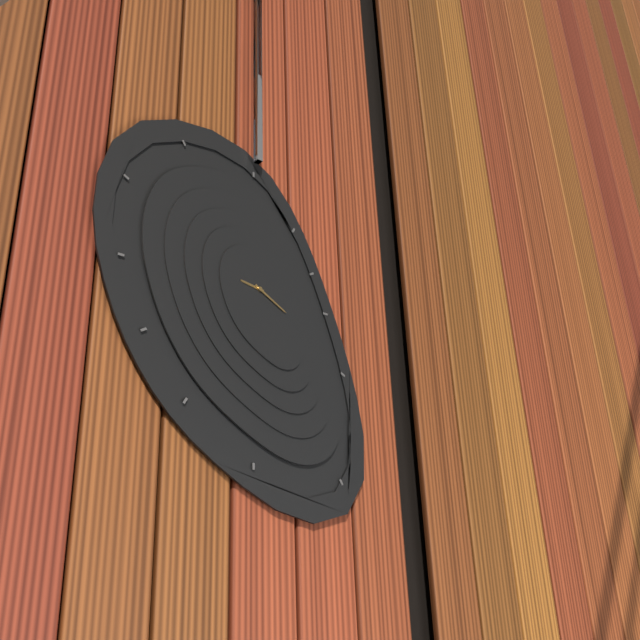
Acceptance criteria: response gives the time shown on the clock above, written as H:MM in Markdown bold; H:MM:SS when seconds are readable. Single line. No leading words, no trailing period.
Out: **9:20**
